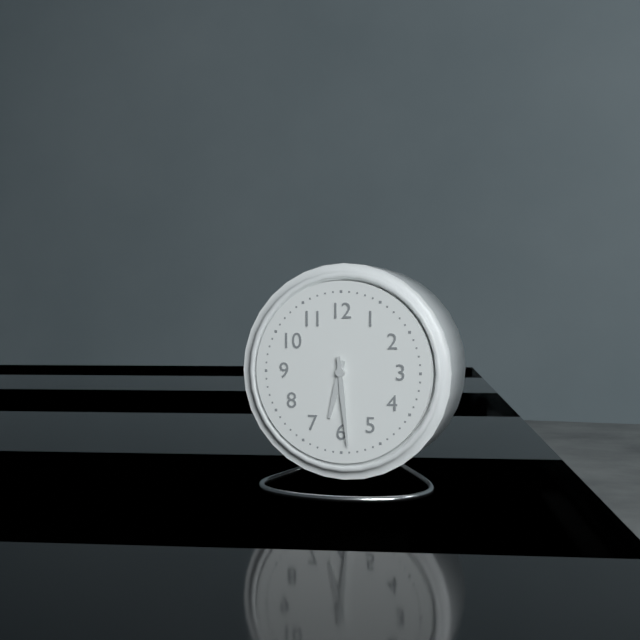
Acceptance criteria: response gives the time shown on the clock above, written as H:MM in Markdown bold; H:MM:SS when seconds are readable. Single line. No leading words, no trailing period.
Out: **6:29**
